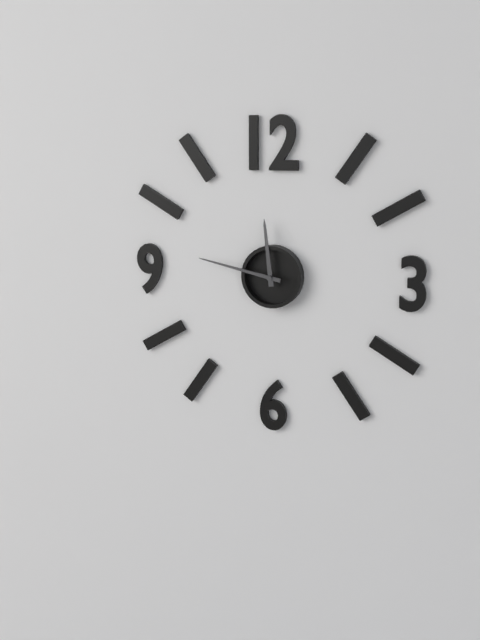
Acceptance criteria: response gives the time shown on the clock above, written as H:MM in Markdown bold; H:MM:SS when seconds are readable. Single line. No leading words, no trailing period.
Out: **11:47**
